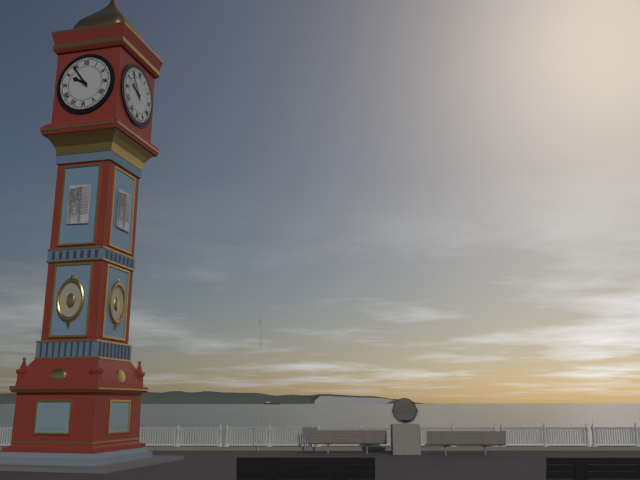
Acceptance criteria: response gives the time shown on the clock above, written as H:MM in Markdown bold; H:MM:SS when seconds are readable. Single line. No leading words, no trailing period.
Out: **9:54**
